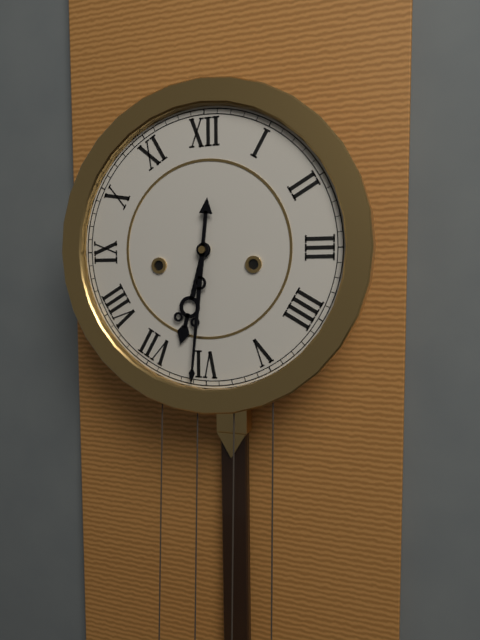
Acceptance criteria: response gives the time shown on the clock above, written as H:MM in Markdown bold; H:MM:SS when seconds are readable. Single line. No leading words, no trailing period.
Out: **6:31**
